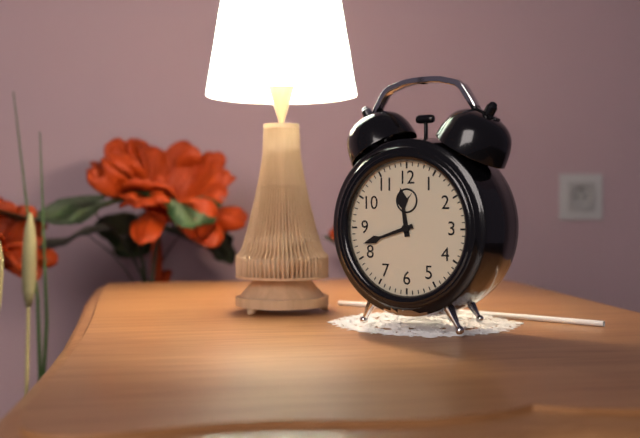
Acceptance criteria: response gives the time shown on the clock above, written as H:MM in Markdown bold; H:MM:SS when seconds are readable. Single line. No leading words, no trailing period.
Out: **11:42**
